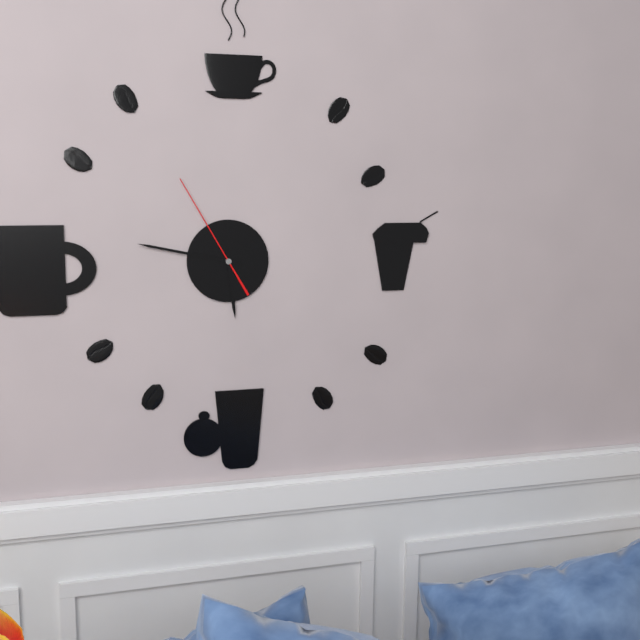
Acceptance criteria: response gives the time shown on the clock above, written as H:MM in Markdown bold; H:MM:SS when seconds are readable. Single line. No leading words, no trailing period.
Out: **5:47:55**
